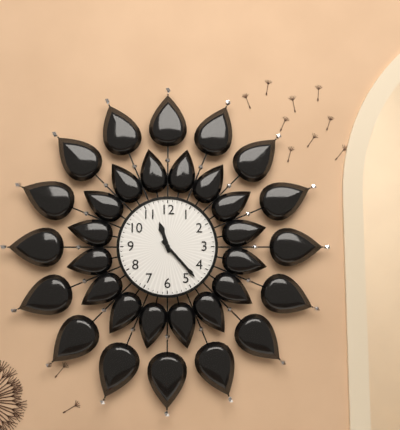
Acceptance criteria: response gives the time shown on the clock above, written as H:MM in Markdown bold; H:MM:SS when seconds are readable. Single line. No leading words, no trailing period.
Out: **11:23**
